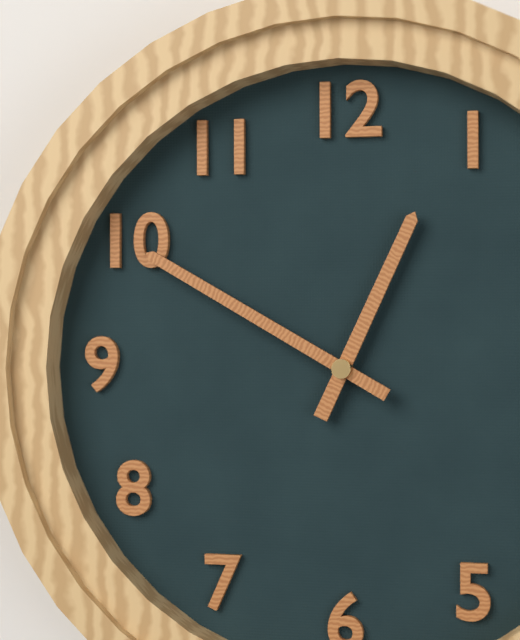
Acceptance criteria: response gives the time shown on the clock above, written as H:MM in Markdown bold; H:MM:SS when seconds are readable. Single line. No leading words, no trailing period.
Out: **12:50**
